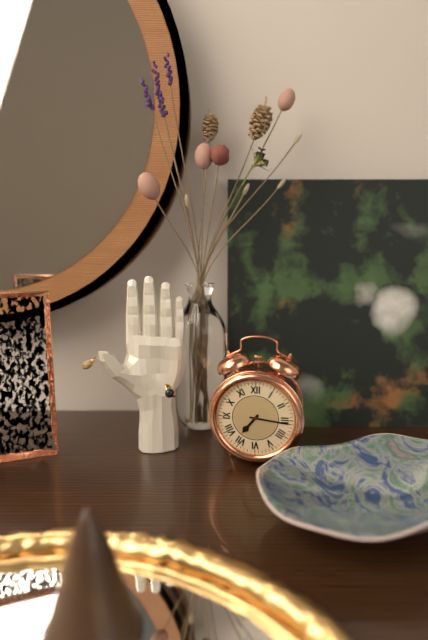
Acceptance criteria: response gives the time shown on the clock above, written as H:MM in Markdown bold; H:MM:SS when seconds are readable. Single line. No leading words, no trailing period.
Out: **7:16**
